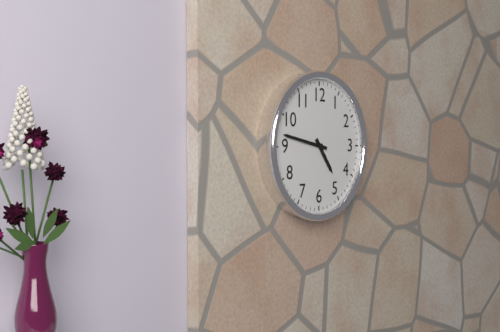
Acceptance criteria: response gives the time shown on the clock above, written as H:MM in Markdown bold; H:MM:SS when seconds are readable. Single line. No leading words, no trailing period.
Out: **4:47**
